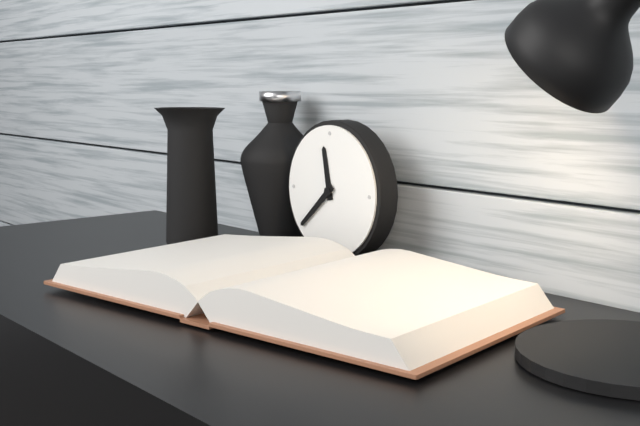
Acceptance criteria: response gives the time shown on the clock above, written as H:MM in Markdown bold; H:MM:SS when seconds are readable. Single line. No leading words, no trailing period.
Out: **11:38**
